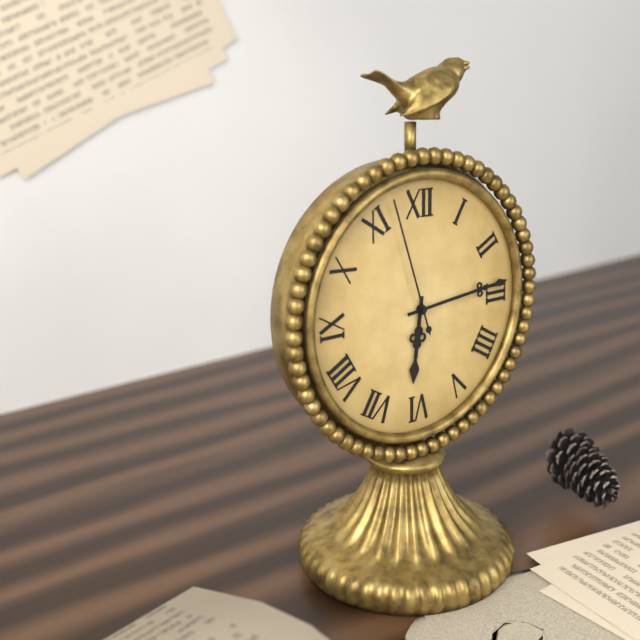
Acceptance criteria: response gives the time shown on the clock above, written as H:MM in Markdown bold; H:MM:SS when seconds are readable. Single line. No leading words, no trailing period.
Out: **6:14:57**
